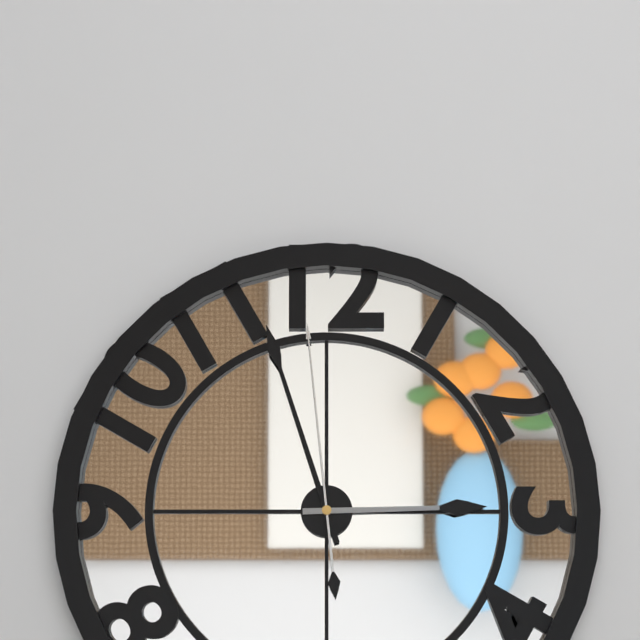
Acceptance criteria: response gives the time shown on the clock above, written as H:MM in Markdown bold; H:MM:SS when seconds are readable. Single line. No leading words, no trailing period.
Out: **2:57:59**
